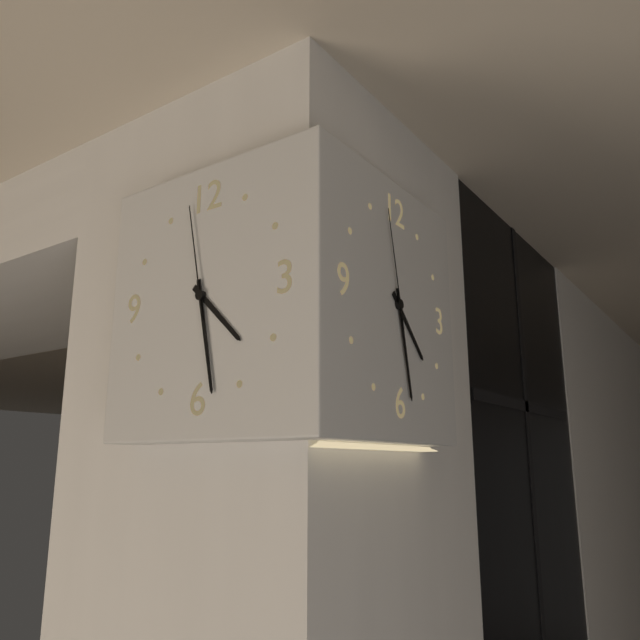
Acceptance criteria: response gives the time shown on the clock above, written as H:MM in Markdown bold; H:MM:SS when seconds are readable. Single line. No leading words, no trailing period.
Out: **4:28:58**
